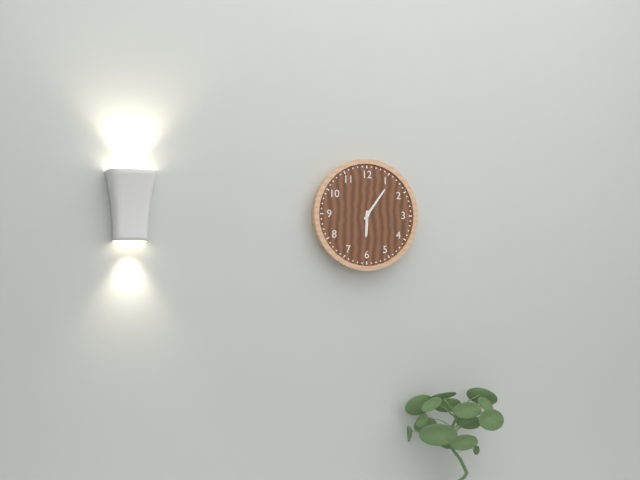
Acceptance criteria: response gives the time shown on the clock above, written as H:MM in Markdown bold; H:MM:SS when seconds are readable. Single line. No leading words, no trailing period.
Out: **6:06**
